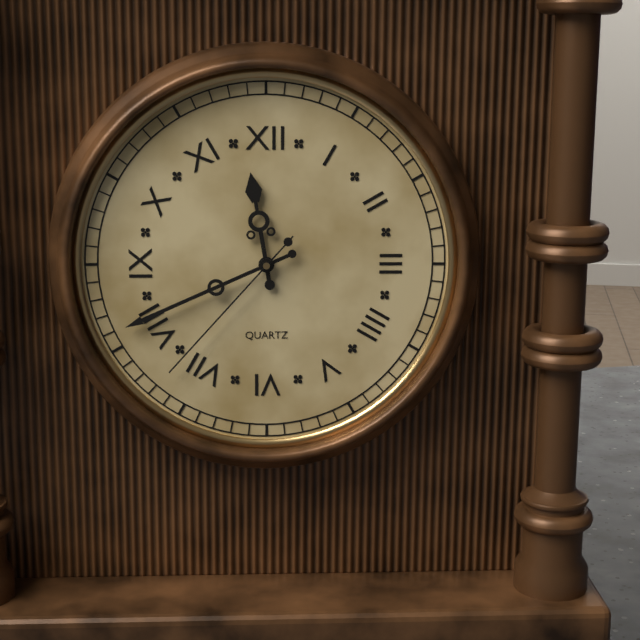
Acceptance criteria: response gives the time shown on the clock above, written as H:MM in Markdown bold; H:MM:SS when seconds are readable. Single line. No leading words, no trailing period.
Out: **11:41:37**
